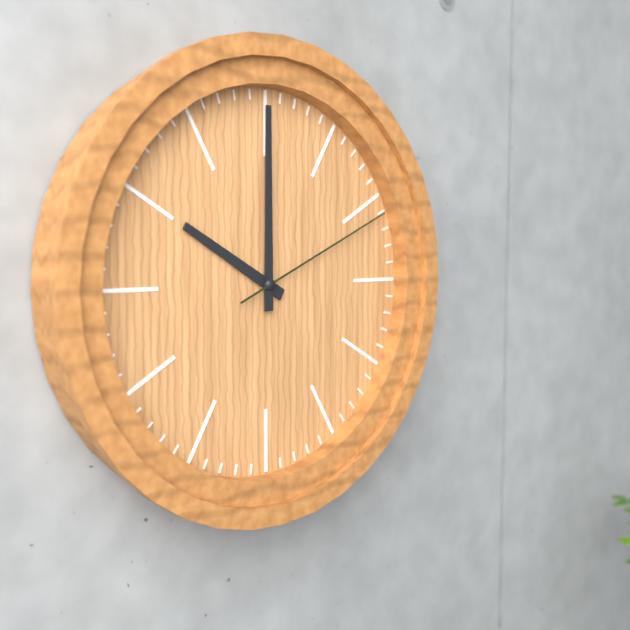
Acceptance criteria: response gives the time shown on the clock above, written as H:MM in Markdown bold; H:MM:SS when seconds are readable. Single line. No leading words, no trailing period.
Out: **10:00:11**
